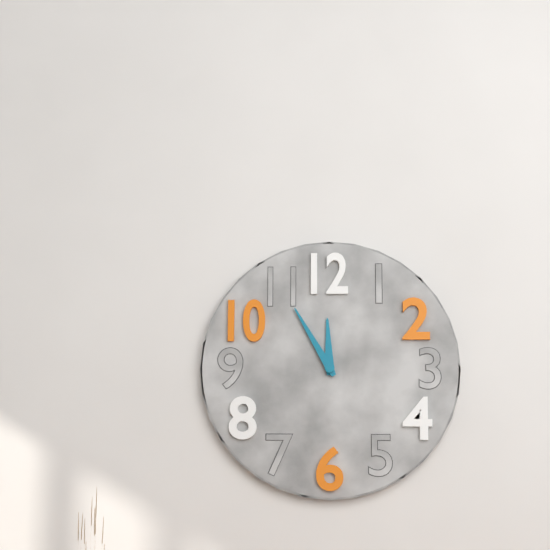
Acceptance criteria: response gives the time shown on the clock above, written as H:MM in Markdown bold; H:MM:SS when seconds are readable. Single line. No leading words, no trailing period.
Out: **11:55**
